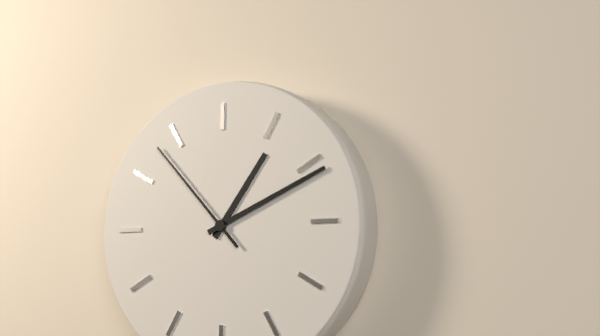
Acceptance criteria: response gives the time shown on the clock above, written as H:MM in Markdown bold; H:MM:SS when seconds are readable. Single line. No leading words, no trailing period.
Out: **1:11:53**
